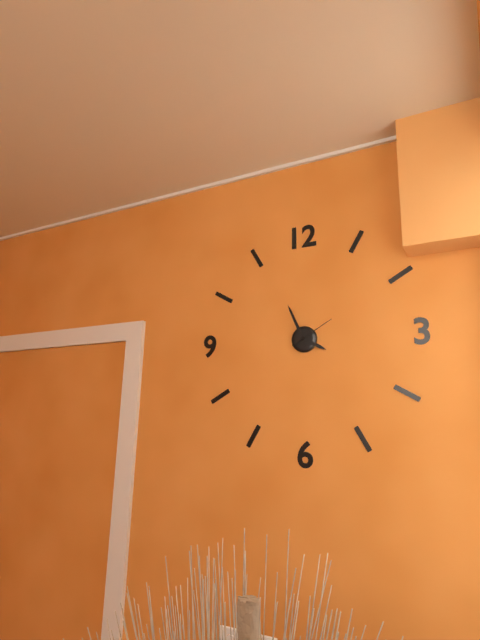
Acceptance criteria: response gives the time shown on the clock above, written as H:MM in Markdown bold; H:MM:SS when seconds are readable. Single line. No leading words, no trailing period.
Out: **3:56**
